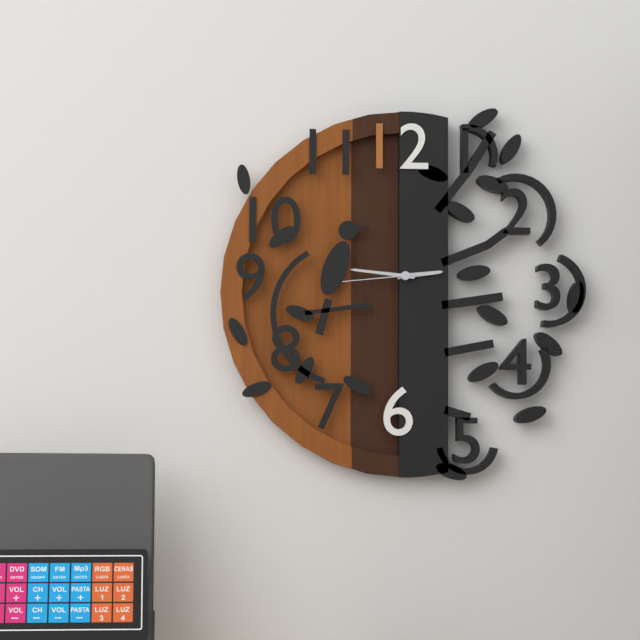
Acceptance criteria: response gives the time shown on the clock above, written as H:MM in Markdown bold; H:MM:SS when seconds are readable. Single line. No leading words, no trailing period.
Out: **2:46:44**
